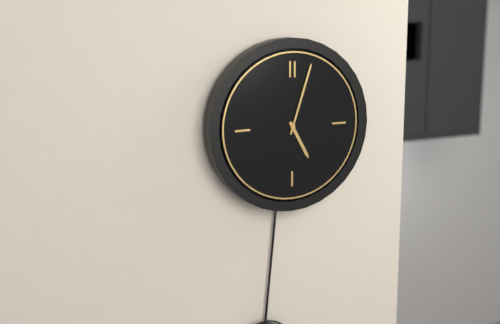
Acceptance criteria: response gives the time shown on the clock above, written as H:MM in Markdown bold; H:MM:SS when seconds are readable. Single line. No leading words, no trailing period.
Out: **5:03**
